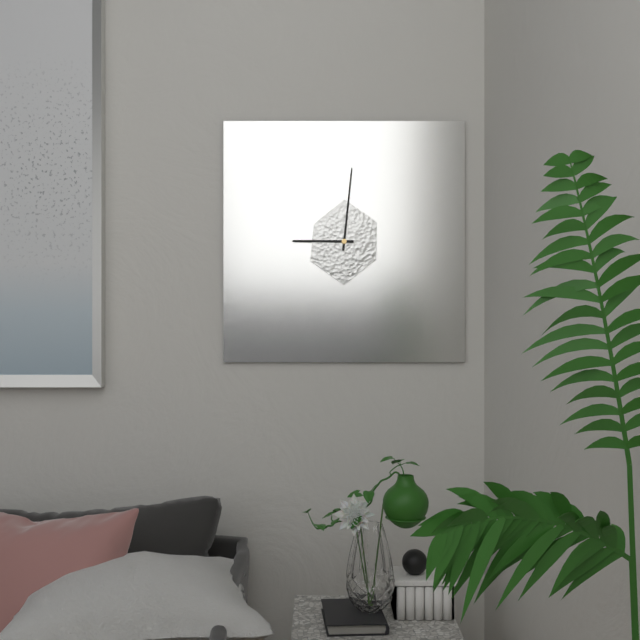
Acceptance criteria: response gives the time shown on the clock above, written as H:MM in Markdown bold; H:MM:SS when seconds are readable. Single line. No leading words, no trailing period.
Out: **9:01**
